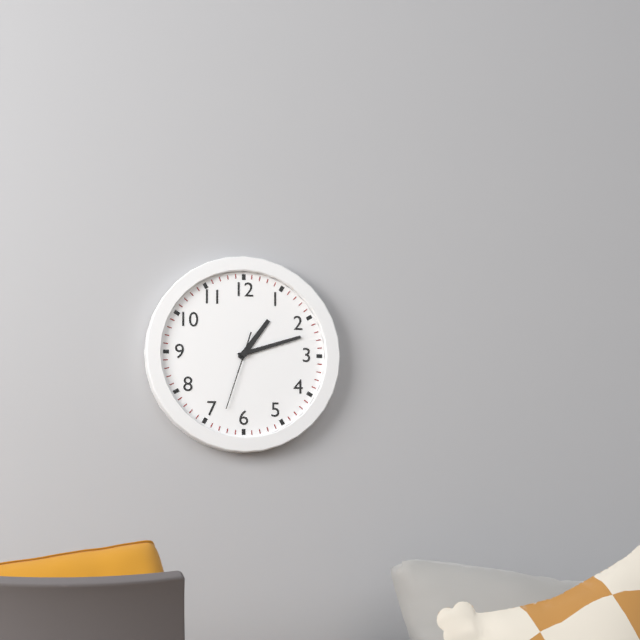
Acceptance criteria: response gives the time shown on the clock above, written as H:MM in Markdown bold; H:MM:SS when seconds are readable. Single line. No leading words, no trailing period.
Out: **1:12:33**
